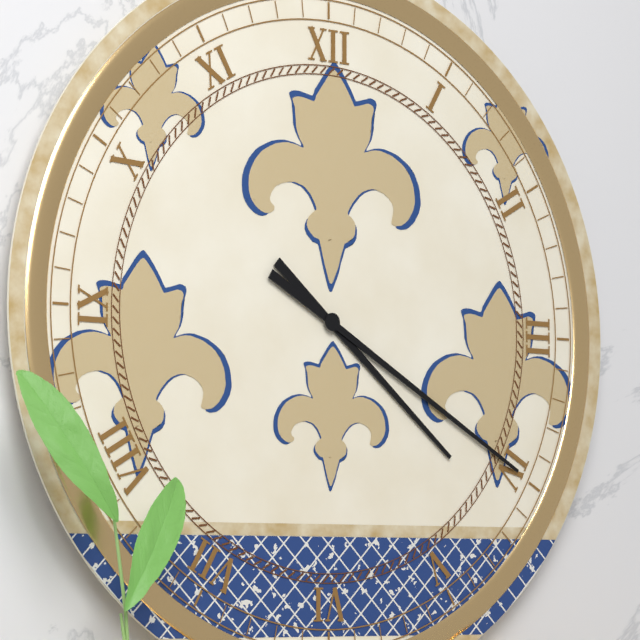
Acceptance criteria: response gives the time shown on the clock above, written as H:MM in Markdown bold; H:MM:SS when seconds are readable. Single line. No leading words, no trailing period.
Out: **4:20**
